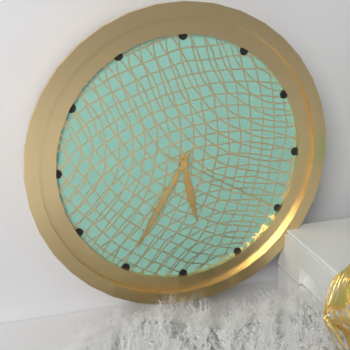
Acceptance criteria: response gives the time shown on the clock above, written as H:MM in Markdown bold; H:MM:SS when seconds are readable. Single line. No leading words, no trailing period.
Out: **5:35:20**
